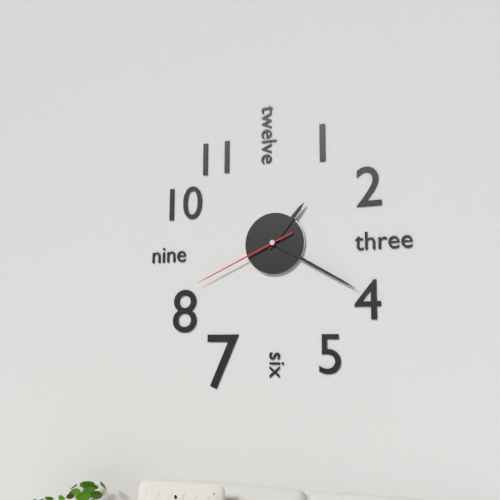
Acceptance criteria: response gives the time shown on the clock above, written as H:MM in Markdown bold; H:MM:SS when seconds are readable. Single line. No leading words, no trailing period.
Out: **1:20:41**
